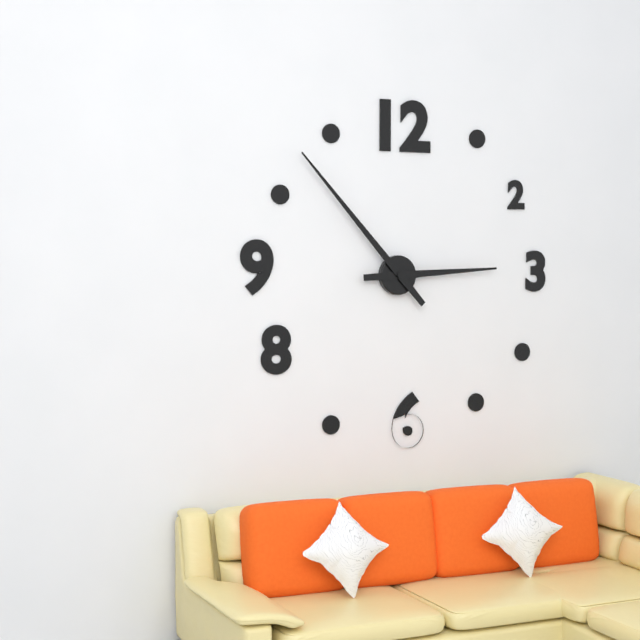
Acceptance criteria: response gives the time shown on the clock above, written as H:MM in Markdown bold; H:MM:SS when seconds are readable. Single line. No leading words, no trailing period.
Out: **2:53**
